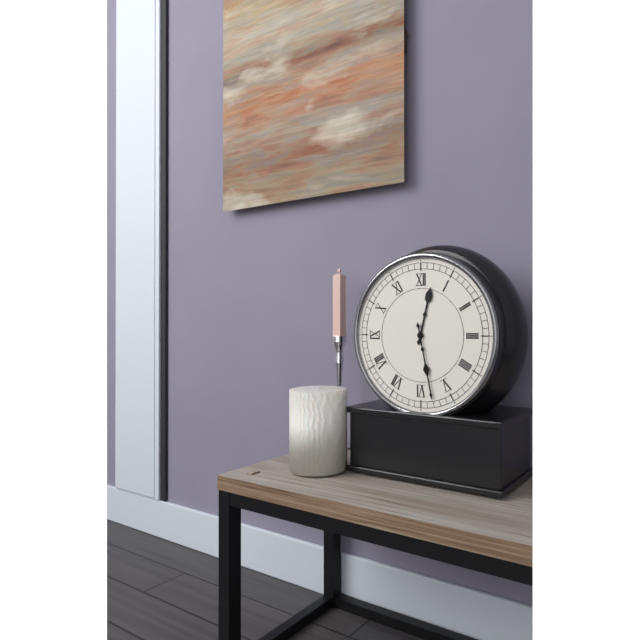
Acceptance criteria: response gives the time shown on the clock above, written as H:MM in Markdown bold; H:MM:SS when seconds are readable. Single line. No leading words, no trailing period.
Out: **12:28**
